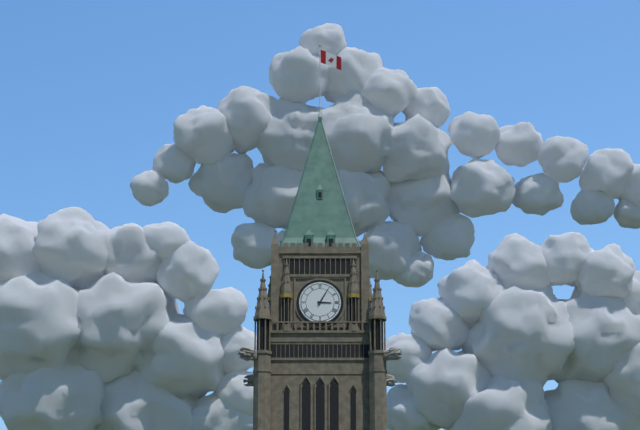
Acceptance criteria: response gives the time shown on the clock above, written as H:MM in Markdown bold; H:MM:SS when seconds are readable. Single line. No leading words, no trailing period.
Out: **3:05**
